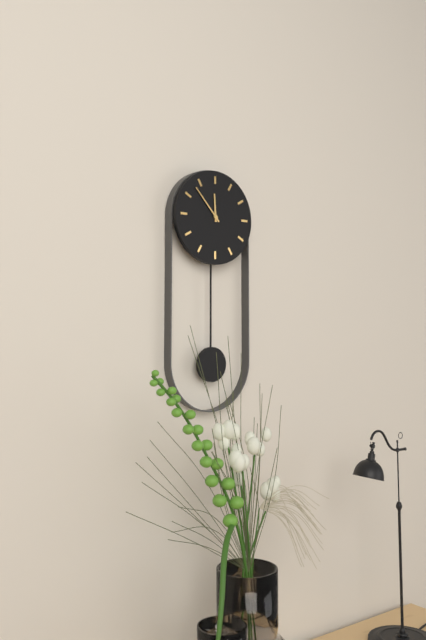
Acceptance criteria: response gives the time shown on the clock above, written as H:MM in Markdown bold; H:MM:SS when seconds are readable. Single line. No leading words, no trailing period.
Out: **11:53**
